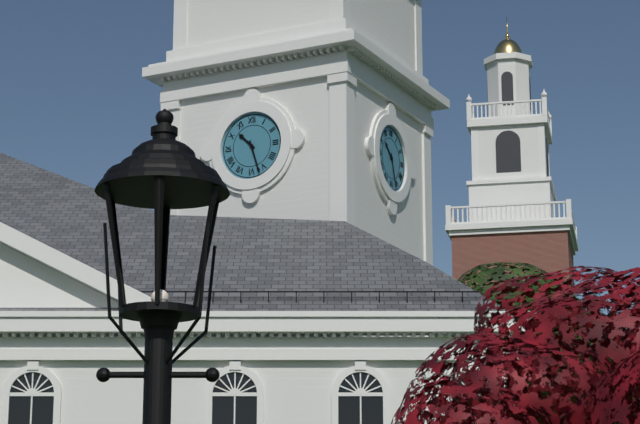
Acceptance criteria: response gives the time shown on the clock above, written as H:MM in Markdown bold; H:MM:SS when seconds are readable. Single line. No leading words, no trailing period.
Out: **10:27**
